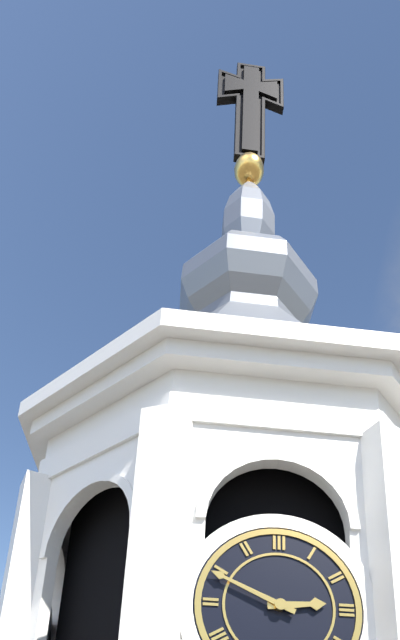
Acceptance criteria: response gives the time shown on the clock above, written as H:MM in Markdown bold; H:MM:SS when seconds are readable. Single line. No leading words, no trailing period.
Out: **2:49**
